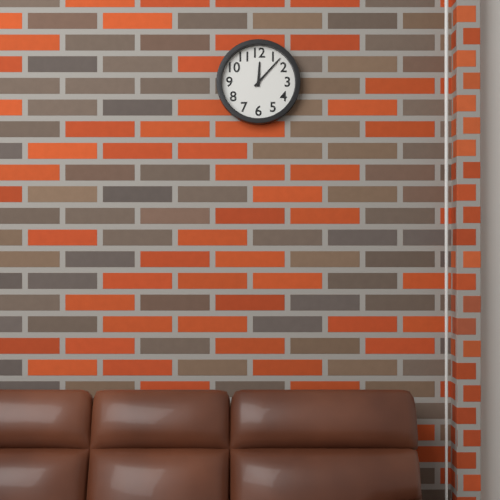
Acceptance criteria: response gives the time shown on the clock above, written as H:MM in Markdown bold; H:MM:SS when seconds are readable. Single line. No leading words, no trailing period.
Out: **12:07**
